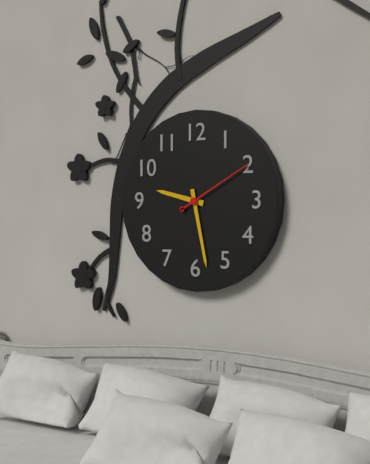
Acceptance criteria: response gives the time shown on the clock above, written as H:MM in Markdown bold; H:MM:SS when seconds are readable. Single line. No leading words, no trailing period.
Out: **9:28:10**
